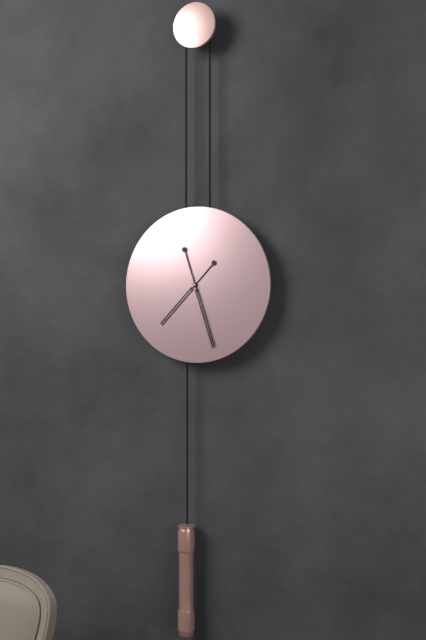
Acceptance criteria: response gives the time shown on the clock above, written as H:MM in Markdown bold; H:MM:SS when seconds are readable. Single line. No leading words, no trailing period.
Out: **7:27**
